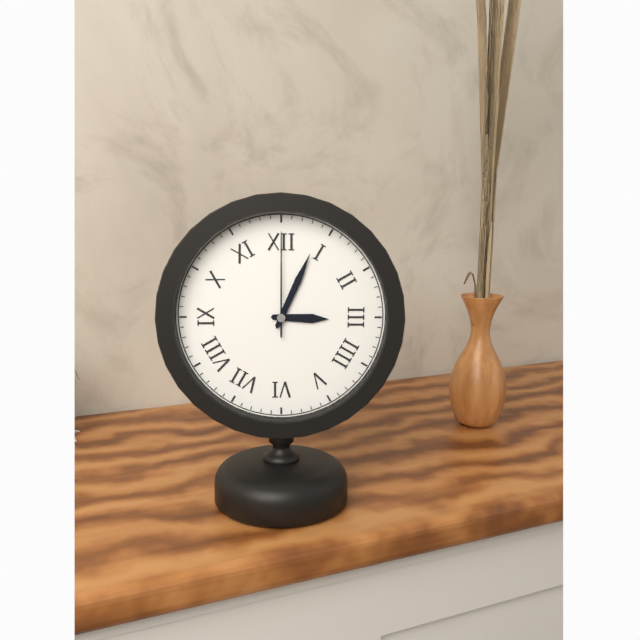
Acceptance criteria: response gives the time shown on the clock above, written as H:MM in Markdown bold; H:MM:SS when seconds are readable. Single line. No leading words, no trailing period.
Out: **3:04:00**
